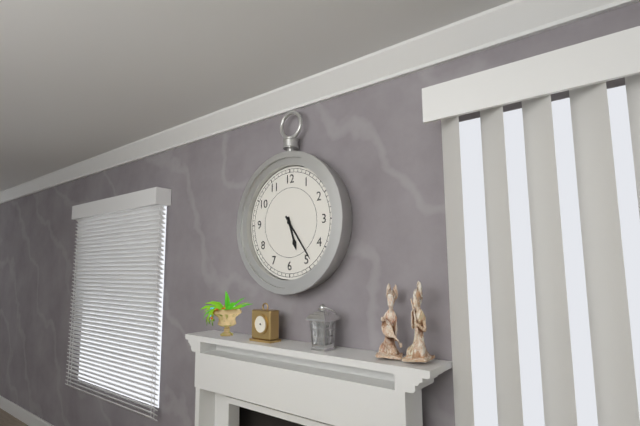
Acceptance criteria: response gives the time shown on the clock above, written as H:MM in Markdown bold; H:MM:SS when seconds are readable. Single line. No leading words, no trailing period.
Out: **5:24**
